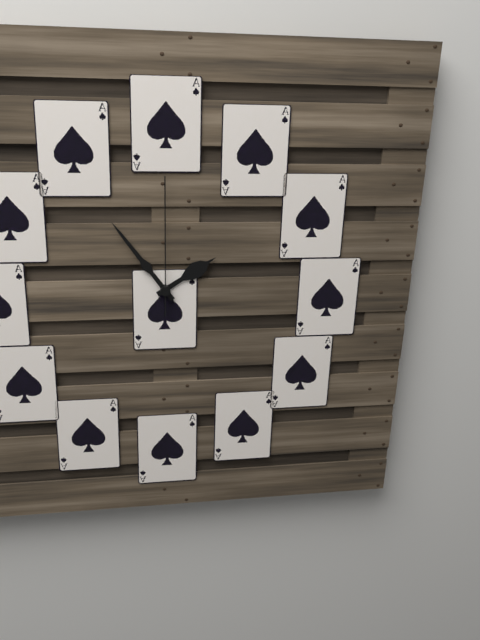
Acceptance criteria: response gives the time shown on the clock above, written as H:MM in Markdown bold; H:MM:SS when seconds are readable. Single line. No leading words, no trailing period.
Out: **1:54:00**
